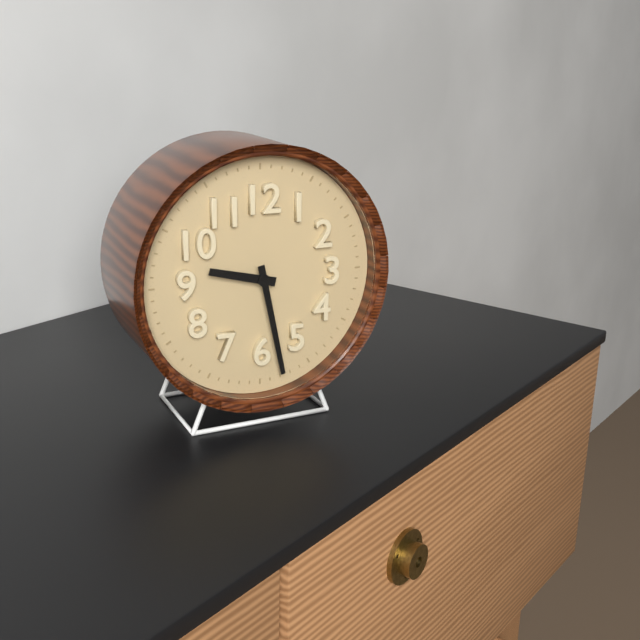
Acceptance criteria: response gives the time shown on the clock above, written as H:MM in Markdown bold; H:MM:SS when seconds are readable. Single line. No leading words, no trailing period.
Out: **9:28**
